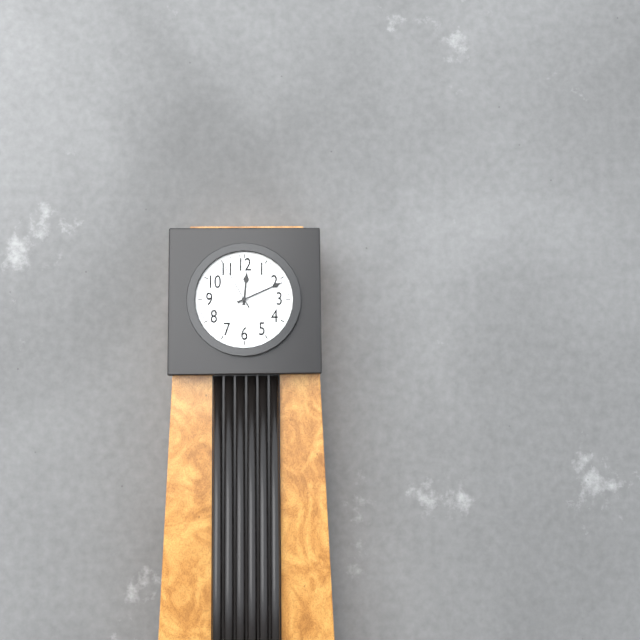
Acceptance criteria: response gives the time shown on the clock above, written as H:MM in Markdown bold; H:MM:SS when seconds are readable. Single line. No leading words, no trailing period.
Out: **12:11**
